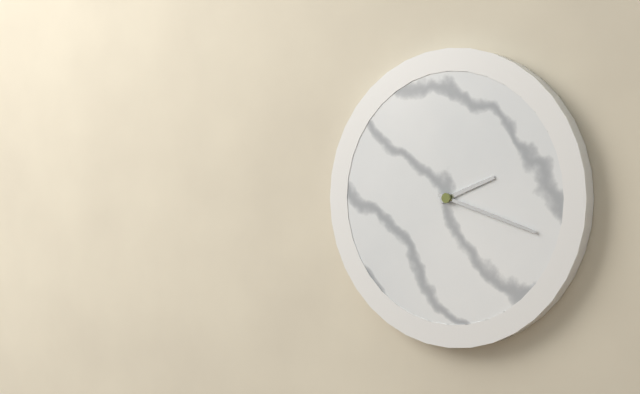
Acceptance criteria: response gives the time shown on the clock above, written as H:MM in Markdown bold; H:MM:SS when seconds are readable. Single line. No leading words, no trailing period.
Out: **2:18**
